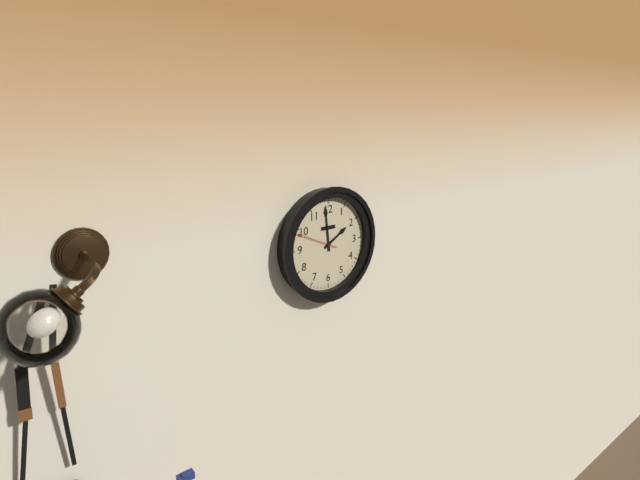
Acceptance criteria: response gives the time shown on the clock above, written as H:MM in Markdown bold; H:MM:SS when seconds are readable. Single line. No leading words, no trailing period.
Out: **1:59**
